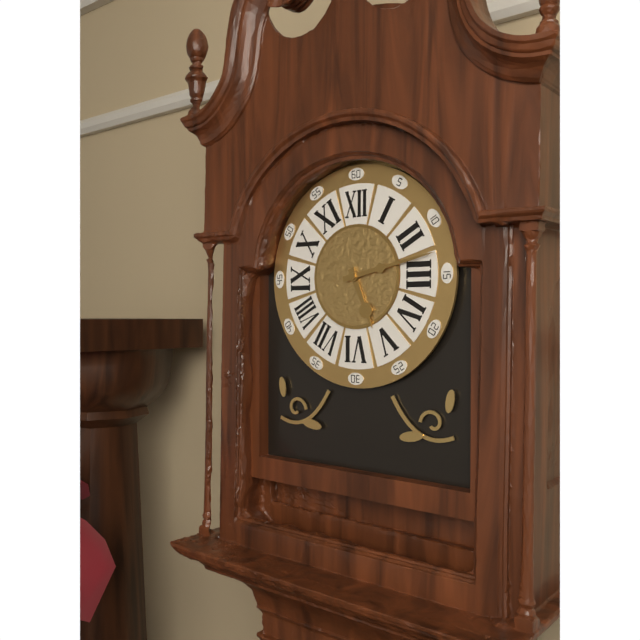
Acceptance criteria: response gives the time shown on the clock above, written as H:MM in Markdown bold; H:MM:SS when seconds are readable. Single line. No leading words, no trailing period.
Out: **5:13**
